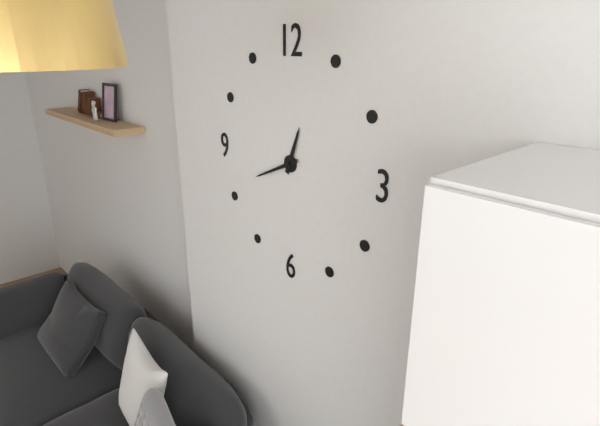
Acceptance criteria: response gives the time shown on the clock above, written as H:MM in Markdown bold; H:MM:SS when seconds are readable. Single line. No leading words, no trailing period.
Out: **12:41**
